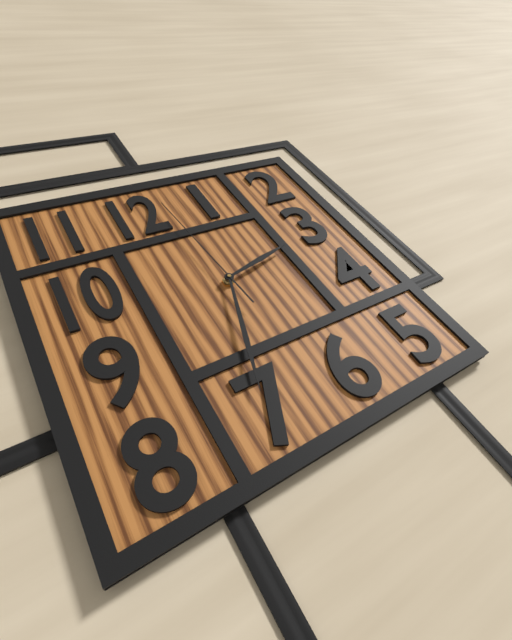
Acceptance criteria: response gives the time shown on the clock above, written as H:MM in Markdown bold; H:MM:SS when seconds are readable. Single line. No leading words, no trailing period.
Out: **2:33:59**
